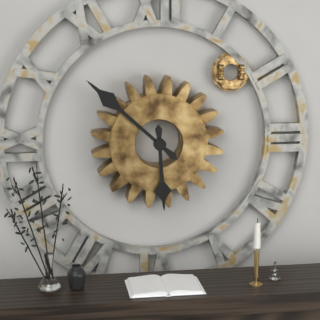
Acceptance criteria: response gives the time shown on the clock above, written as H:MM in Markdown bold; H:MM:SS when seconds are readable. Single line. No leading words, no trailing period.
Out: **5:52**
